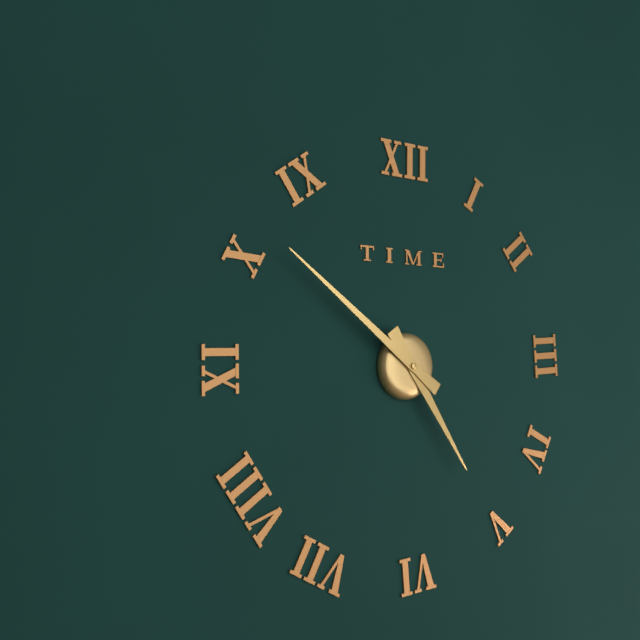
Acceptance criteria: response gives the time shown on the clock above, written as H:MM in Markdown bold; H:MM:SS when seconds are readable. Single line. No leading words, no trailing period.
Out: **4:51**
